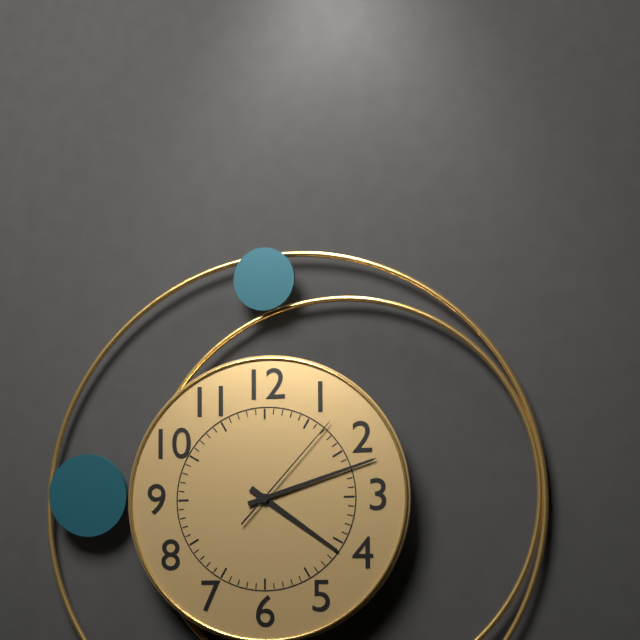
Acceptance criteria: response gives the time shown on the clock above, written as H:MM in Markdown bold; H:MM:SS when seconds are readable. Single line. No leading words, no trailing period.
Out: **4:12:07**
